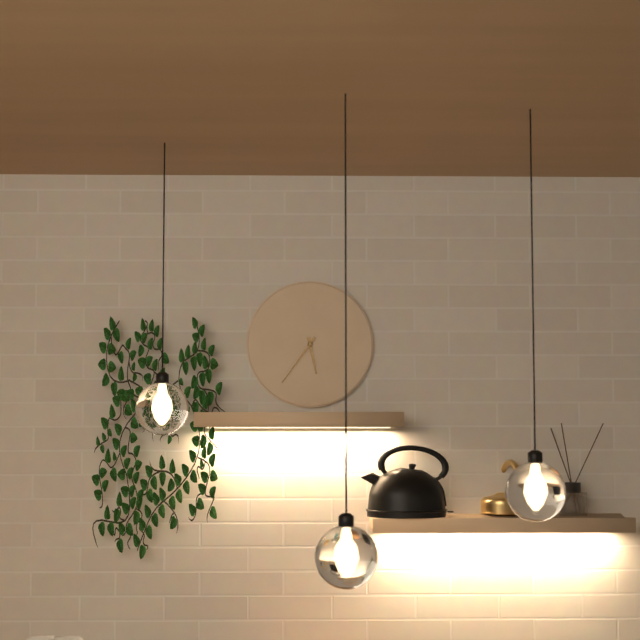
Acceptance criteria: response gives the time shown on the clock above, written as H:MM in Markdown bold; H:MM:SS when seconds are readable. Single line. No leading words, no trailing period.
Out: **5:36**
